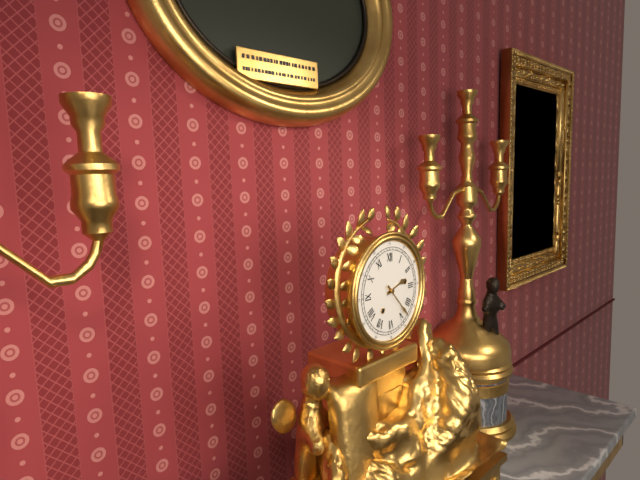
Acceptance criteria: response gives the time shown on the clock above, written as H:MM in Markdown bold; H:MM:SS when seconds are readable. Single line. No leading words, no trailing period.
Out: **2:23**
